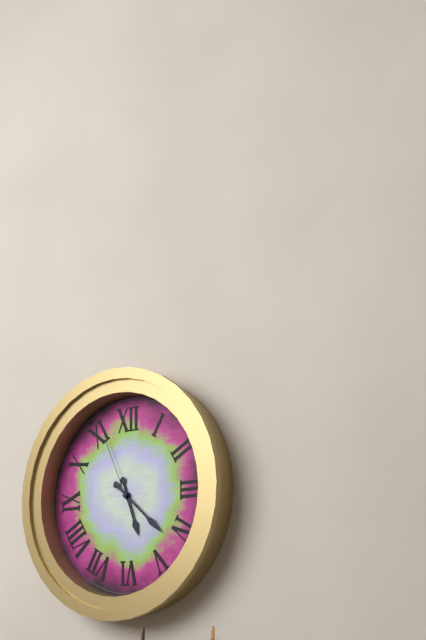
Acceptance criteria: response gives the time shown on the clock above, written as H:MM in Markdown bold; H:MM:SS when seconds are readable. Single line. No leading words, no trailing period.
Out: **5:22:56**
